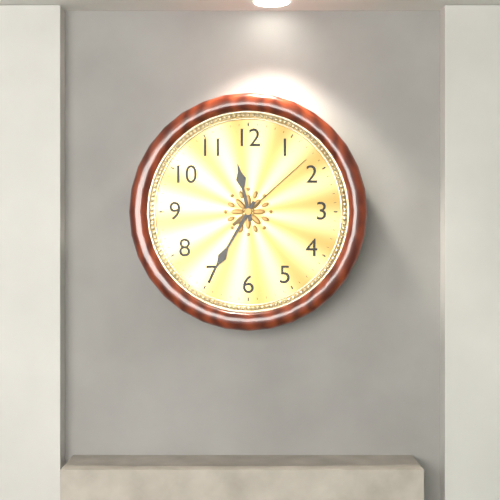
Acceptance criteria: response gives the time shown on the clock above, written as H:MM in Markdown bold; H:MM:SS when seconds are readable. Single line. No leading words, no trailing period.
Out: **11:35:08**
